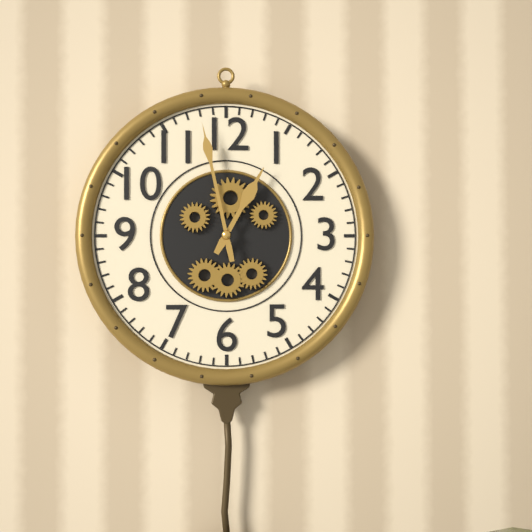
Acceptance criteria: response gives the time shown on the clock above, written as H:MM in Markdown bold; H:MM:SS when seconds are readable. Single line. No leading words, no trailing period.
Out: **12:58**
